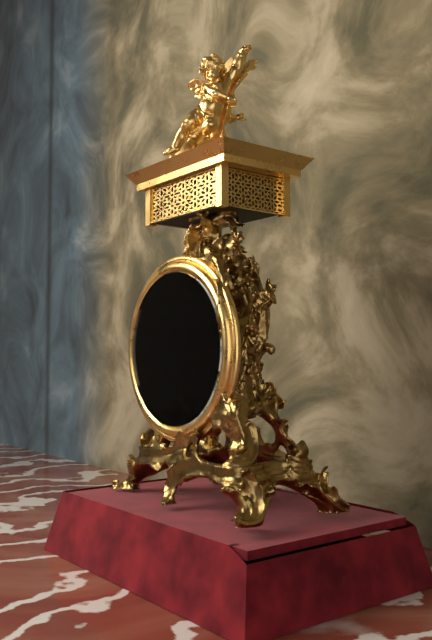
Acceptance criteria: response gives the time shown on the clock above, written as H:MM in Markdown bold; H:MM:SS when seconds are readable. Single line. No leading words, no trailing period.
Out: **2:53**
